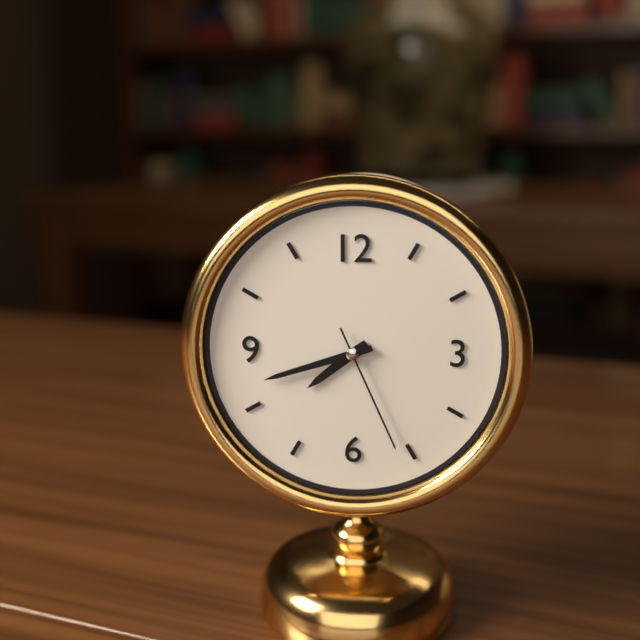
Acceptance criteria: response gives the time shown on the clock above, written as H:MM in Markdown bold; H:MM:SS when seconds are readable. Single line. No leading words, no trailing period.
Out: **7:42:26**
